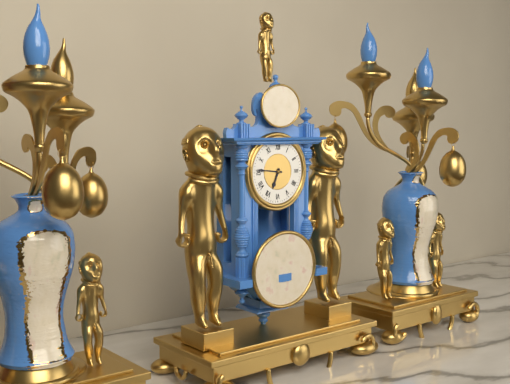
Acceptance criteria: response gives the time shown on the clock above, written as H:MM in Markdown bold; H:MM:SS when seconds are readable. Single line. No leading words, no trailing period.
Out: **6:46**
